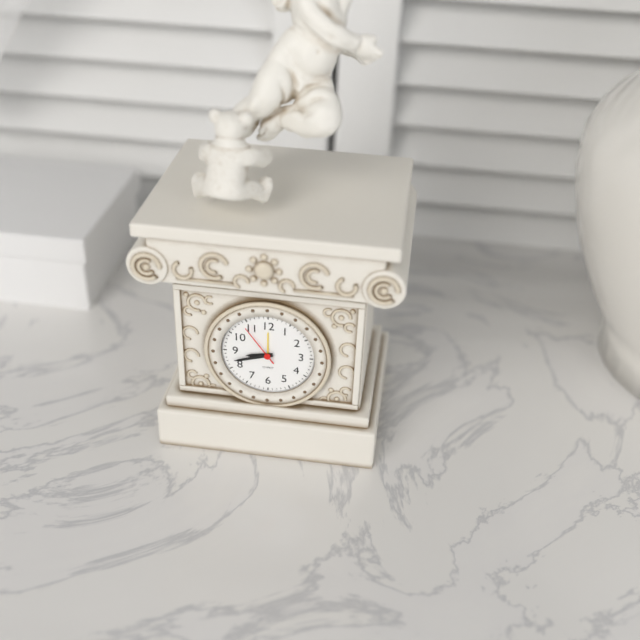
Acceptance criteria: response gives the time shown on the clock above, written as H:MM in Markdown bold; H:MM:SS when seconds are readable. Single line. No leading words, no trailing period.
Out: **8:42**
